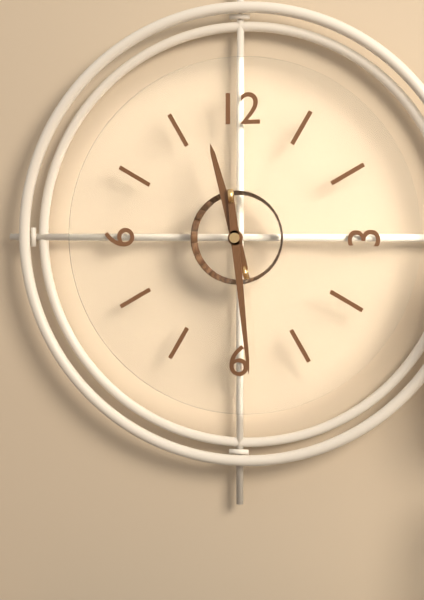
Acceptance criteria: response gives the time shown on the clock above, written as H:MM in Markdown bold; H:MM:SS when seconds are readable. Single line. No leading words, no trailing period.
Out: **11:29**
